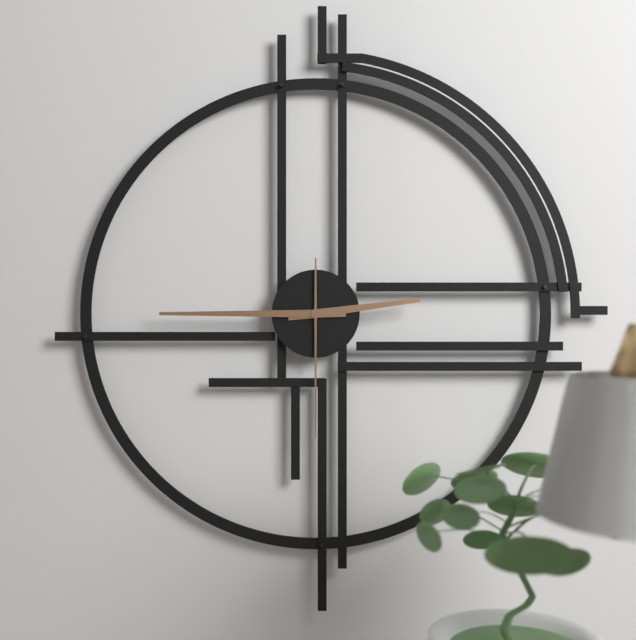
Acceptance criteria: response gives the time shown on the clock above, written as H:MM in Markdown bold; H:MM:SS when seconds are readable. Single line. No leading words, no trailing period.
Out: **2:45:30**
